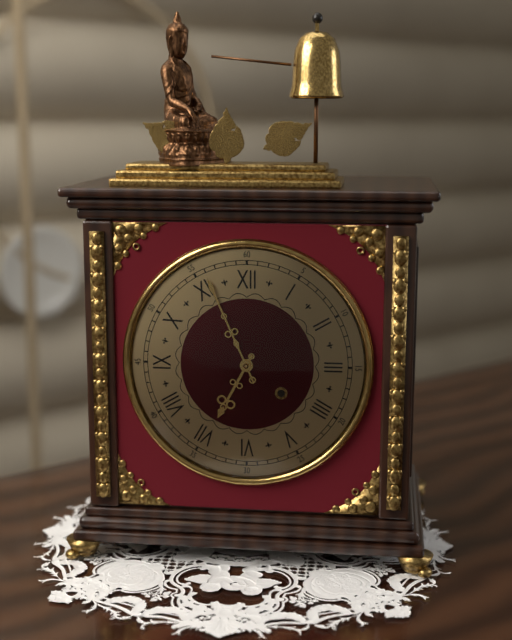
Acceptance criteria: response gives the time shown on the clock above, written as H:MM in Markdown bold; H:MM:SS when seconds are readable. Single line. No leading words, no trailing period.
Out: **6:56**
